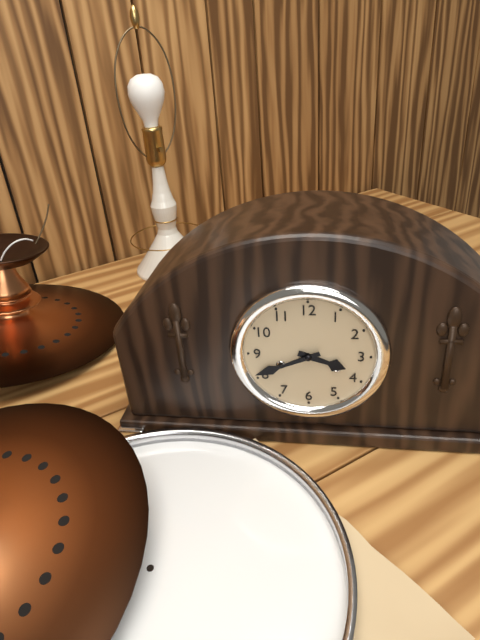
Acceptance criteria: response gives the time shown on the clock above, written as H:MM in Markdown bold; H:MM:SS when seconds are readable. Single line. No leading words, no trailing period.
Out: **3:41**
